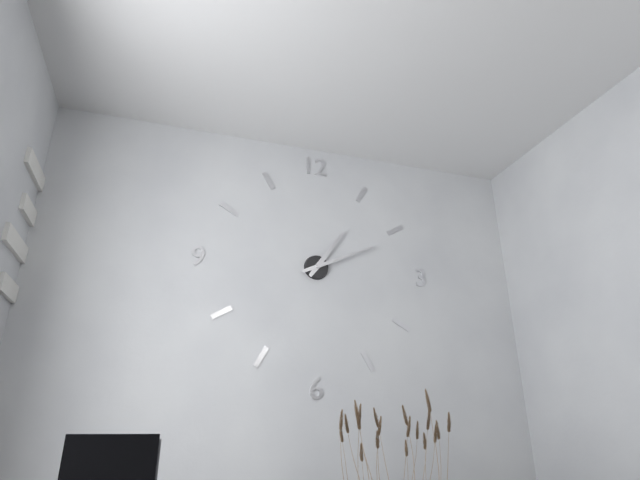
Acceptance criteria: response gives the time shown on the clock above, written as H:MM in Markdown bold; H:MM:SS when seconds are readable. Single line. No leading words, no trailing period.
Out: **1:11**
